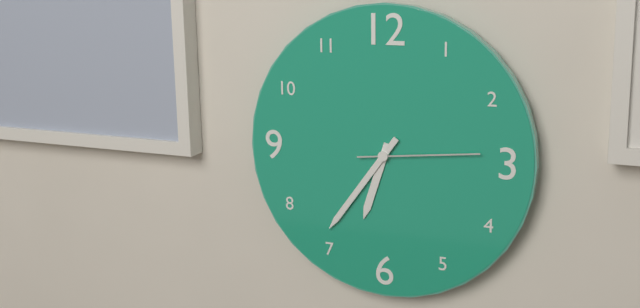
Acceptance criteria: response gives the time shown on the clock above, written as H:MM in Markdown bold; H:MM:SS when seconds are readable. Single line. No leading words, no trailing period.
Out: **6:36:14**
